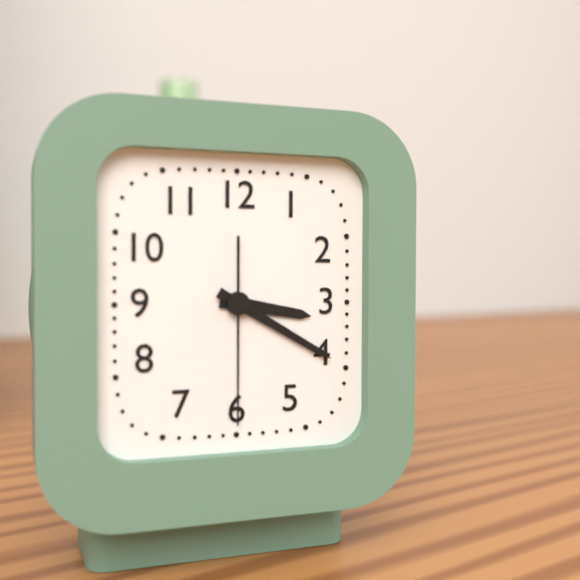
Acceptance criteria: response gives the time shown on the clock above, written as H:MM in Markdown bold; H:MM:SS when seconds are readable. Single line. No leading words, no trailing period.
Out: **3:20:30**
